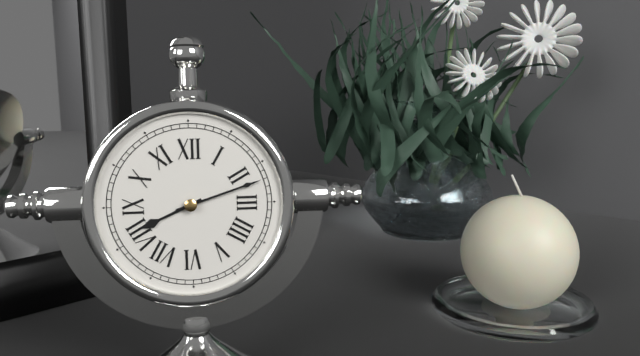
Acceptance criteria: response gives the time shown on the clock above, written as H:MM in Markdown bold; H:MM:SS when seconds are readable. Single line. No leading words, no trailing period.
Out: **8:12**
